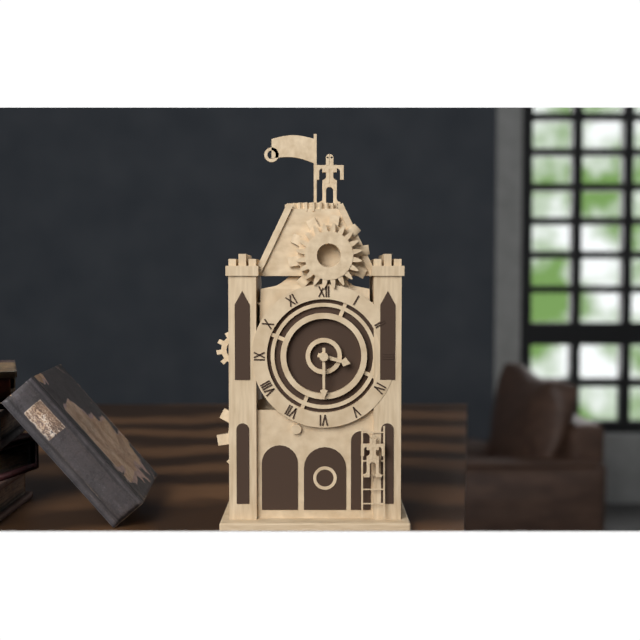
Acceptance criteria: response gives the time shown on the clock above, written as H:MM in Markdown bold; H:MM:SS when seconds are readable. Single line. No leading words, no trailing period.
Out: **3:30**
